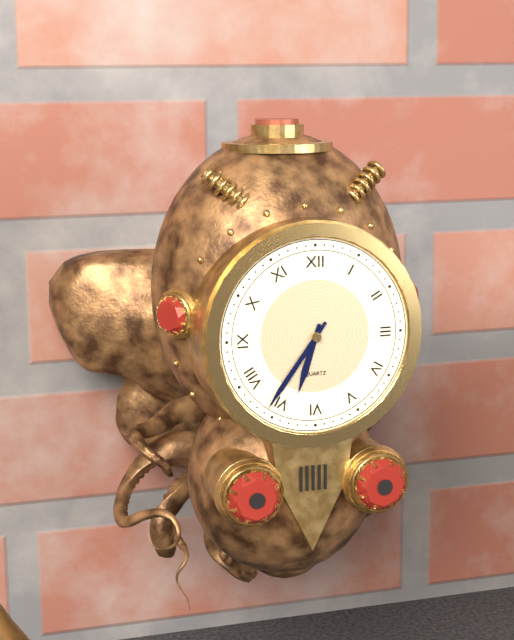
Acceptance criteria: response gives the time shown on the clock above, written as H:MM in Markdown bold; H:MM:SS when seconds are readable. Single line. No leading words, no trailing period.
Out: **6:36**
